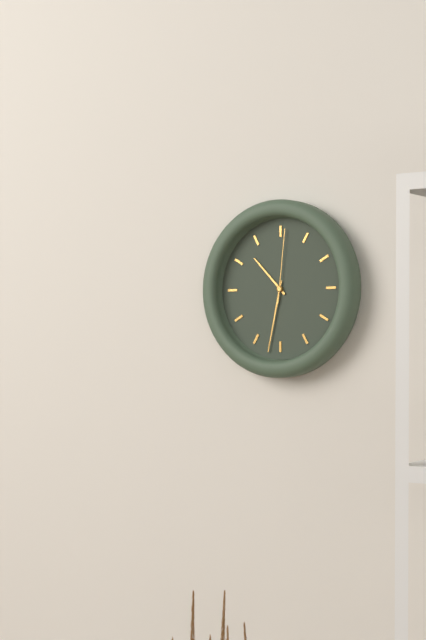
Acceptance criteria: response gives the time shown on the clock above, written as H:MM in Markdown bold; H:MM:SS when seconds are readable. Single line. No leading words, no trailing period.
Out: **10:32:01**
